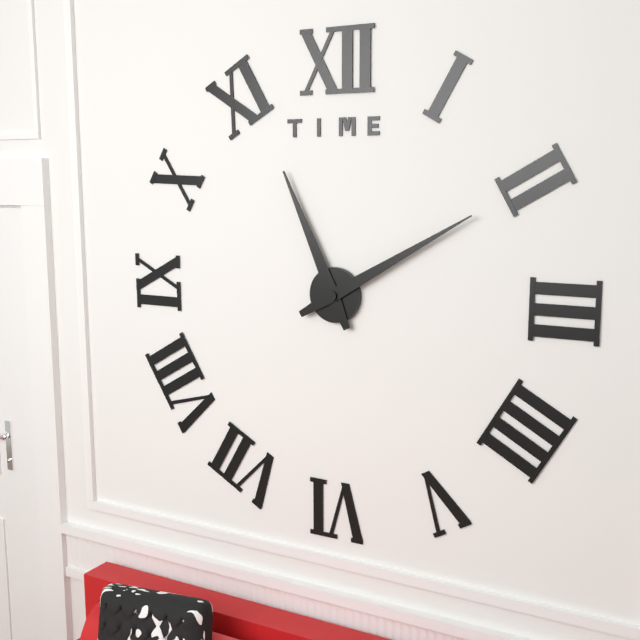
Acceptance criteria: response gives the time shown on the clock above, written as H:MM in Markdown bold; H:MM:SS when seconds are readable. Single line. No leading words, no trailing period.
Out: **11:10**
